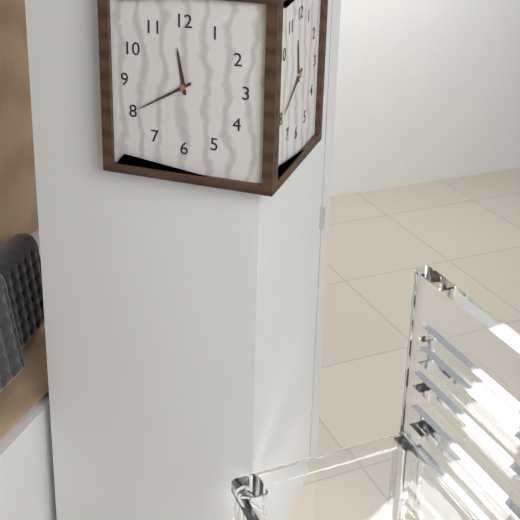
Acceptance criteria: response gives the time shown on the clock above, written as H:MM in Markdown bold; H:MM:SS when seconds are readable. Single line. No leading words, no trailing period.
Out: **11:40**
